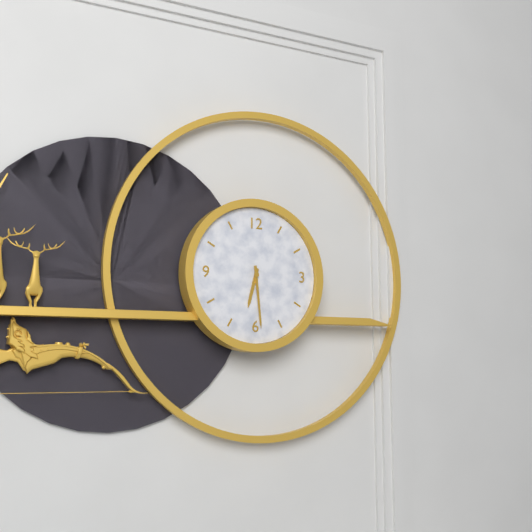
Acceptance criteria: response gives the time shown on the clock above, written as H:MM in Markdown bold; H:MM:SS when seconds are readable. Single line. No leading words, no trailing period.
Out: **6:29**
